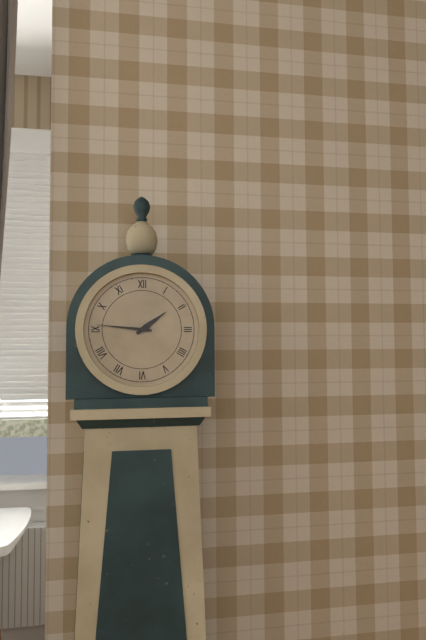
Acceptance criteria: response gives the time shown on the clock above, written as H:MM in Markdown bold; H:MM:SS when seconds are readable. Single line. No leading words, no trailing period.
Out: **1:46**
